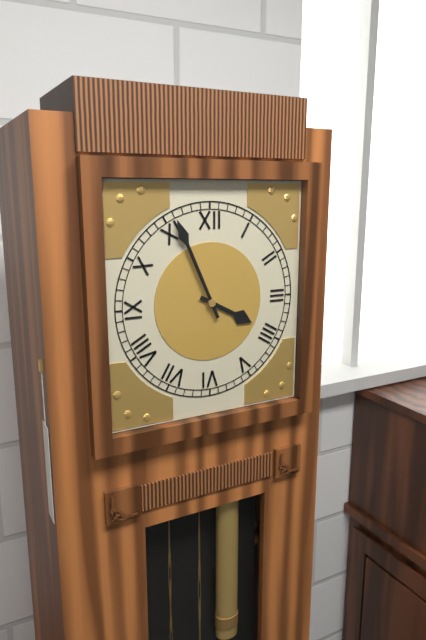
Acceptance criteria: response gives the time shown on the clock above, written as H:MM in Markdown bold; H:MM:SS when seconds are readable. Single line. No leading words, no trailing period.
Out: **3:56**
